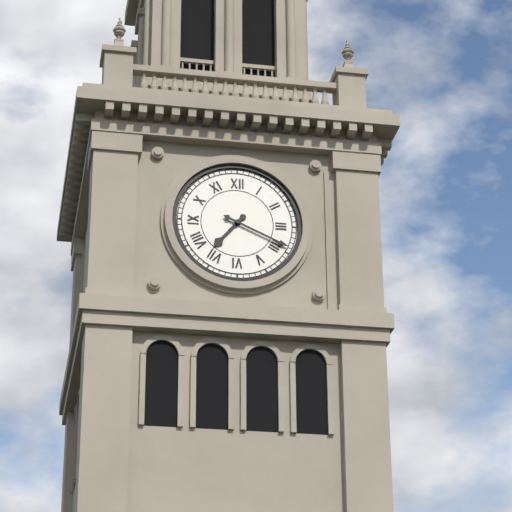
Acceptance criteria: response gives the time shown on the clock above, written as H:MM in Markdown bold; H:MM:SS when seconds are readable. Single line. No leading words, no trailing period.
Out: **7:19**
